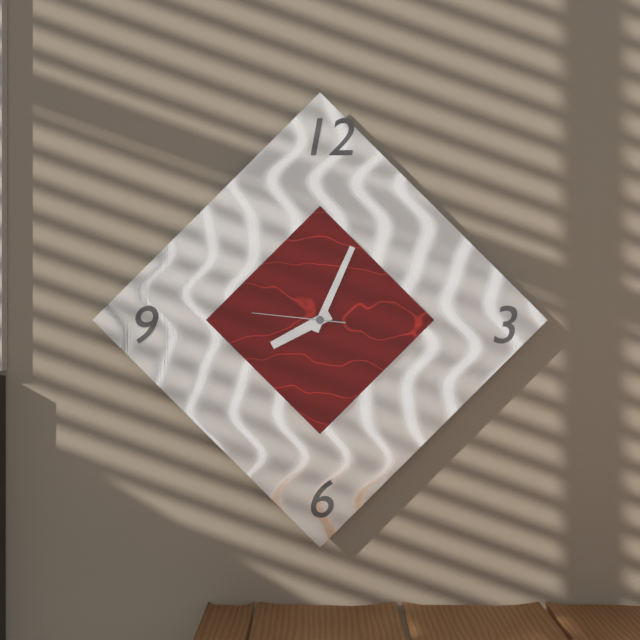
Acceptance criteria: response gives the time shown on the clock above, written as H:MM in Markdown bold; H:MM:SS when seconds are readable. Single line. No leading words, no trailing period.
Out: **8:04:46**
